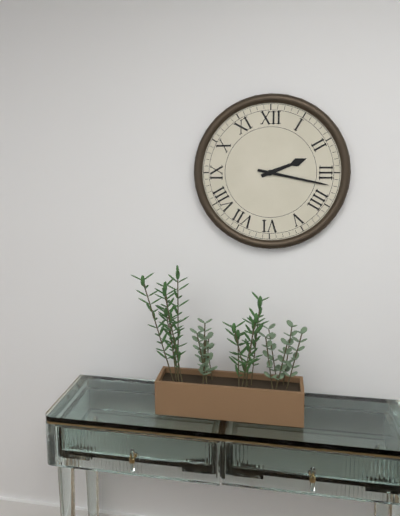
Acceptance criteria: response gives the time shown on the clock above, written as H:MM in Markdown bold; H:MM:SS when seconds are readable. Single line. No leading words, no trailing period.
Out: **2:17**
